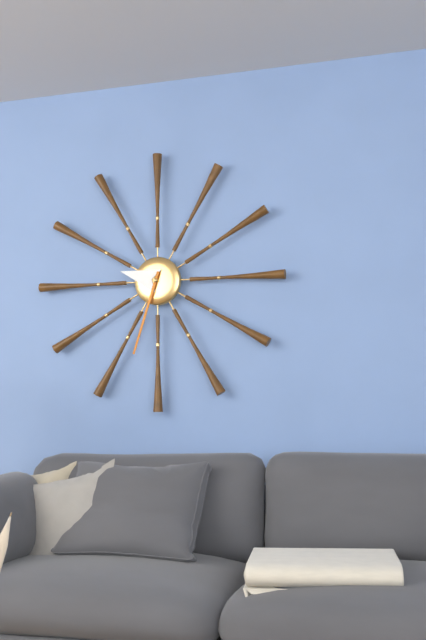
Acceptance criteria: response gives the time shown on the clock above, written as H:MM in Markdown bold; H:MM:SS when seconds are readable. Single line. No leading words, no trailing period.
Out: **9:33**
